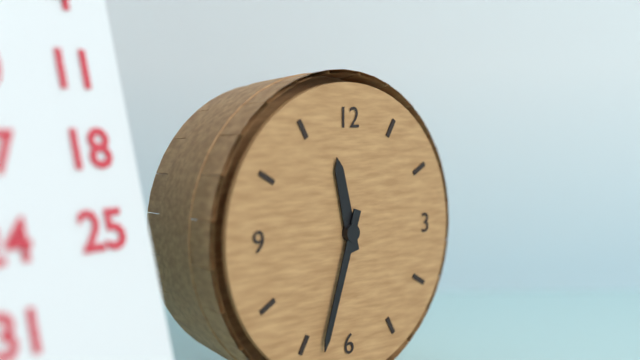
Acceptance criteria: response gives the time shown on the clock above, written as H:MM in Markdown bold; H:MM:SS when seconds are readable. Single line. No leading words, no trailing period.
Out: **11:33**
